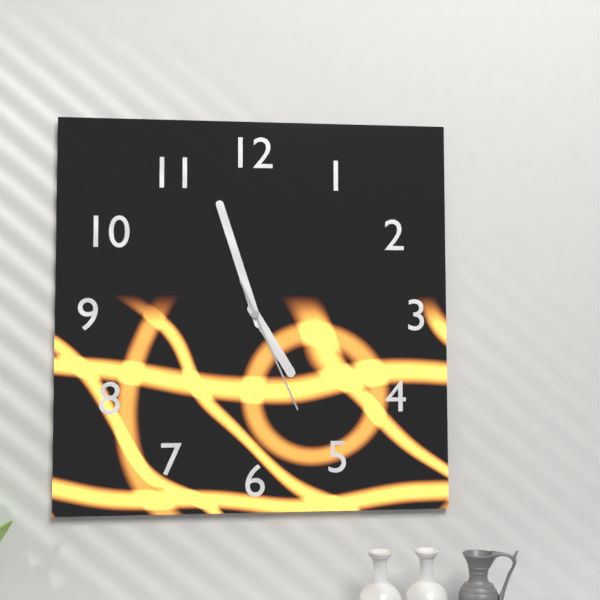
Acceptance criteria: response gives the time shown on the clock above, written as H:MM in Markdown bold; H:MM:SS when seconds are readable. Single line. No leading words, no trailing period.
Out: **4:57:26**
